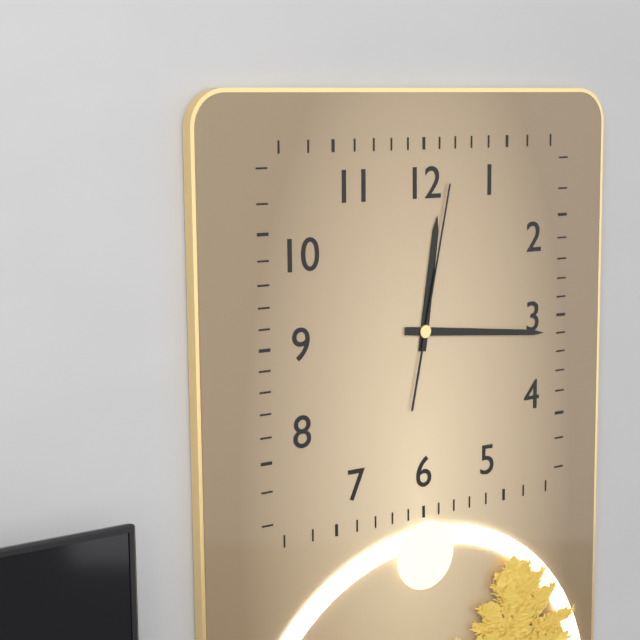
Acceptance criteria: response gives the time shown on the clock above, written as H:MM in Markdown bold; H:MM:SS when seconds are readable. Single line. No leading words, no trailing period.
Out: **12:16:02**
